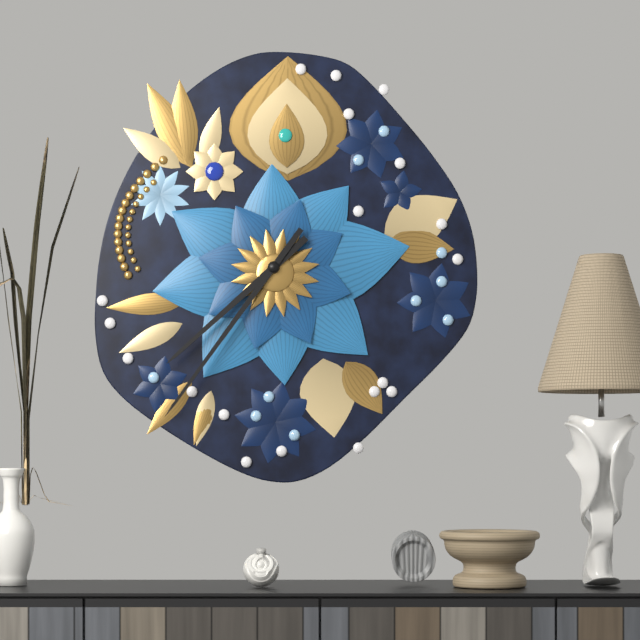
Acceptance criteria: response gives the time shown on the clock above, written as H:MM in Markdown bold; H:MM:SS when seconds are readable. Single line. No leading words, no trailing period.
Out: **7:36**
